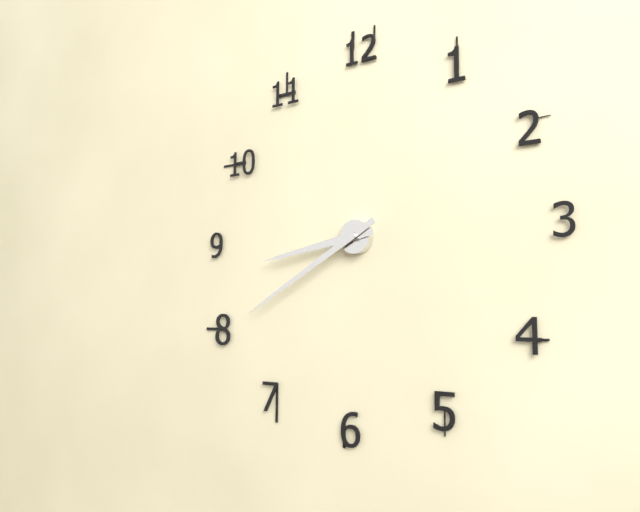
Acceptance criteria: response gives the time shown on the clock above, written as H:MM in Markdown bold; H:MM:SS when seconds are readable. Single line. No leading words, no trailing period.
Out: **8:40**
